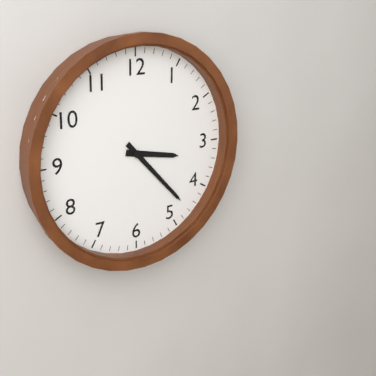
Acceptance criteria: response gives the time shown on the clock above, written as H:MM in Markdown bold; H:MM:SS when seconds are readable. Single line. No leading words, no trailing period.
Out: **3:23**
